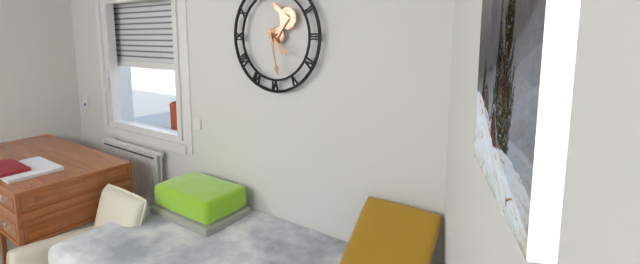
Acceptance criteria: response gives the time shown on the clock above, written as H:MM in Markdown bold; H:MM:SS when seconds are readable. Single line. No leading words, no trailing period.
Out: **4:28**
